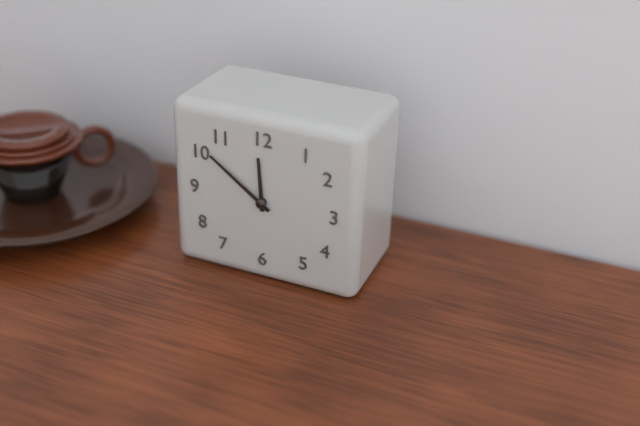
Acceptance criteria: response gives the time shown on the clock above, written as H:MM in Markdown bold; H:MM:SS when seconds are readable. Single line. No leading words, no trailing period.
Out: **11:51**
